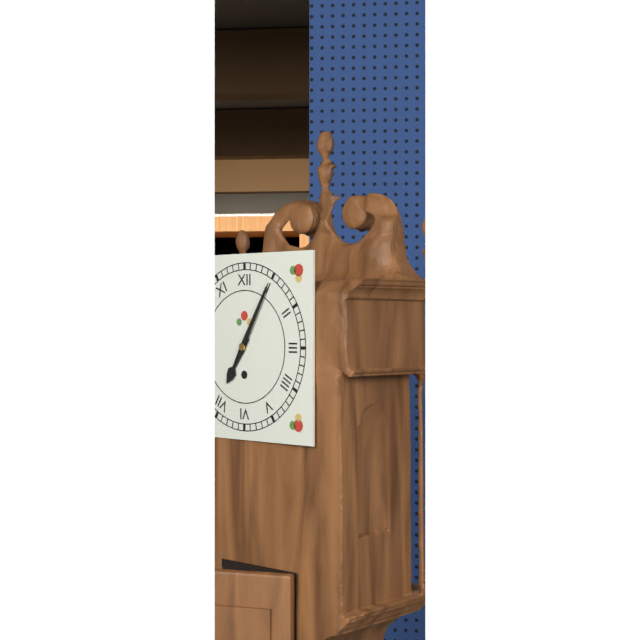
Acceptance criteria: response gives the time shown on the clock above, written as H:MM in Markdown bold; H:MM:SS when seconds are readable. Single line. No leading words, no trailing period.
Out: **7:05**
